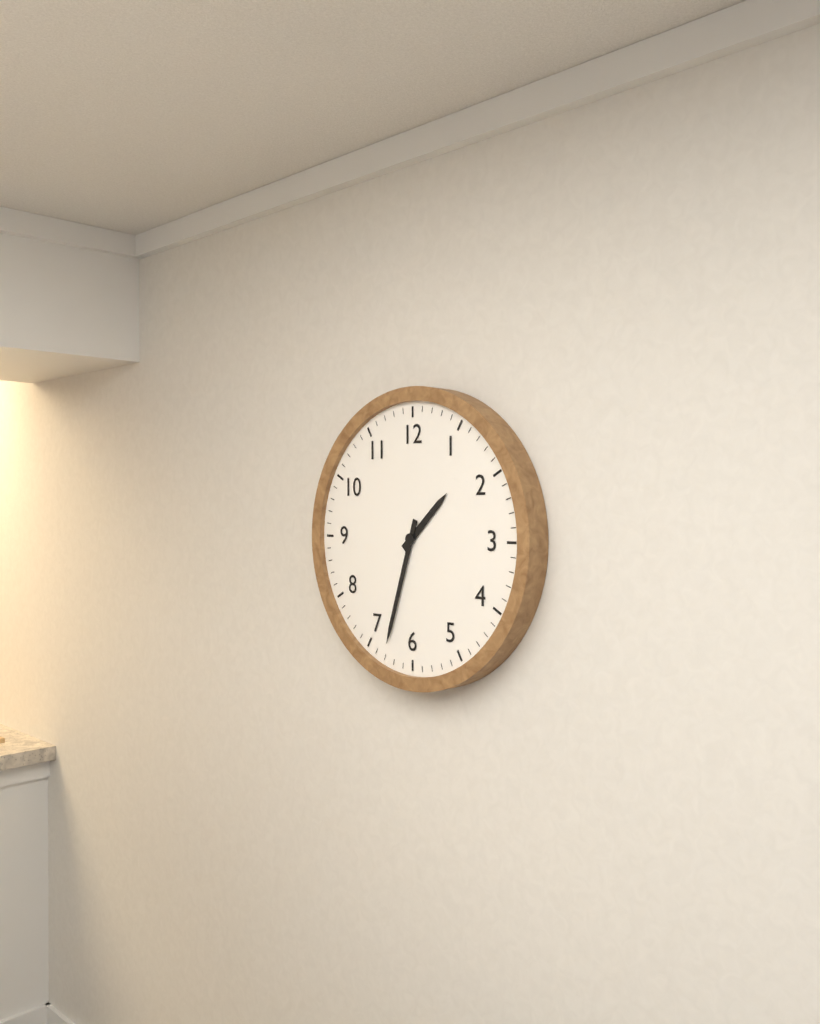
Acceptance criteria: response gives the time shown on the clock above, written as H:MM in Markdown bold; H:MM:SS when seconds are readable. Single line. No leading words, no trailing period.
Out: **1:33**
